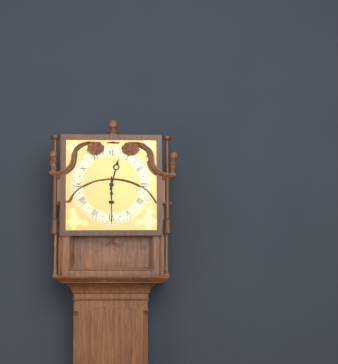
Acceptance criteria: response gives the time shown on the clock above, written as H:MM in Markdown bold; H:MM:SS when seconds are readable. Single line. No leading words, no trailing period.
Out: **12:30**
